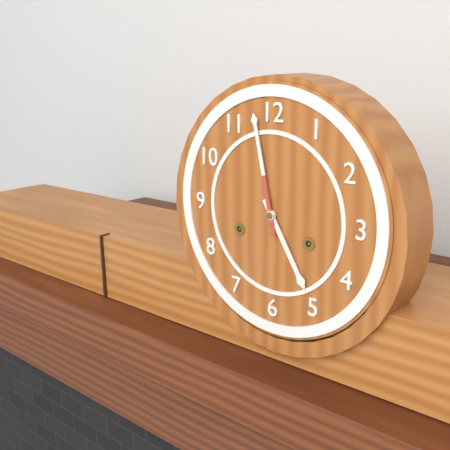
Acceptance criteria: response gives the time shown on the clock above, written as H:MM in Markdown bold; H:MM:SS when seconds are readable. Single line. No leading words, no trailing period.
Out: **4:58**
